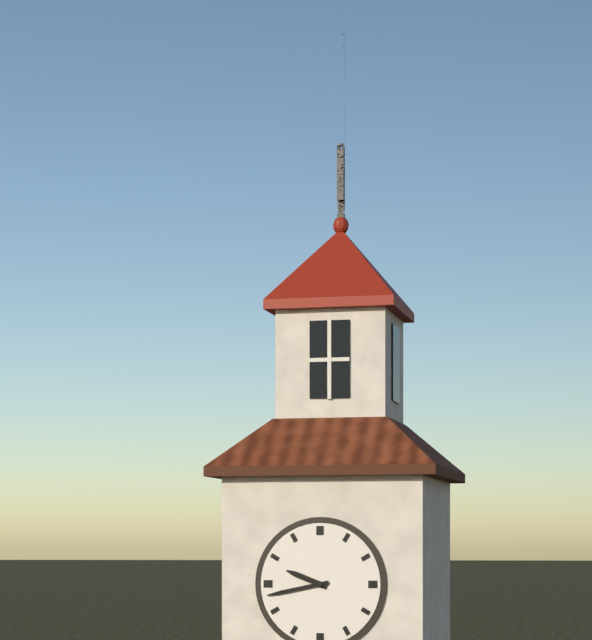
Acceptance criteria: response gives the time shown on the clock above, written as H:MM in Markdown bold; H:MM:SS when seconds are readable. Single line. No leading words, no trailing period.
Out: **9:43**
